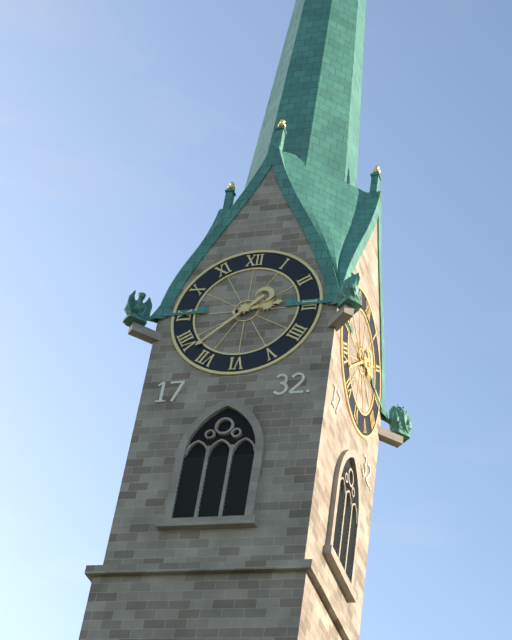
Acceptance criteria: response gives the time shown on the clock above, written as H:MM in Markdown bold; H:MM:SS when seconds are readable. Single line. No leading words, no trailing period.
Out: **2:38**
